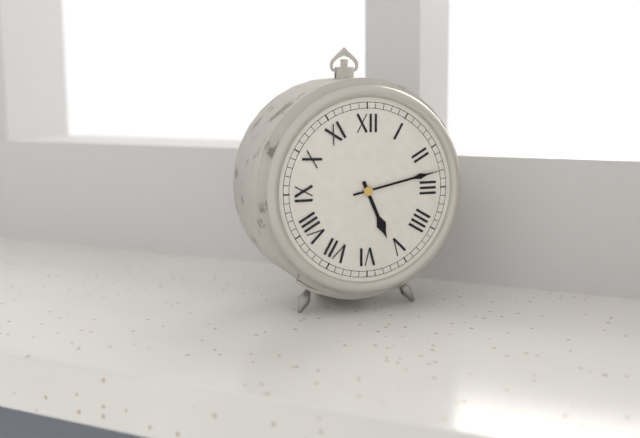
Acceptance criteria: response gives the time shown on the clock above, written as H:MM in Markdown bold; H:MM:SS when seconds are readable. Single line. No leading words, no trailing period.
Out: **5:13**
